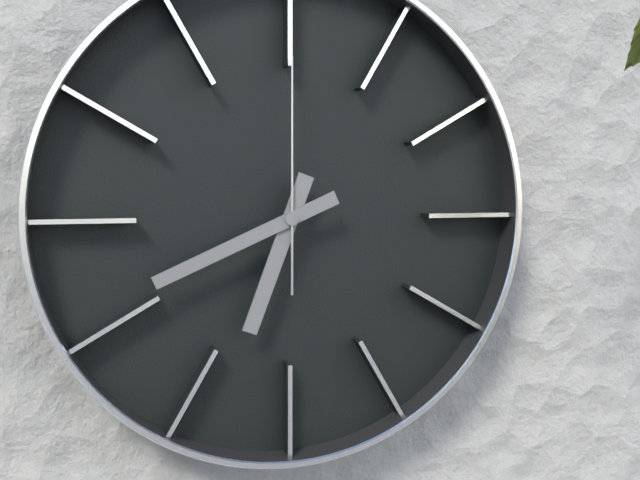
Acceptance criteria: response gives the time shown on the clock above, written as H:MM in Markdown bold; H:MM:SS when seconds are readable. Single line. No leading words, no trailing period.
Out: **6:41:00**
